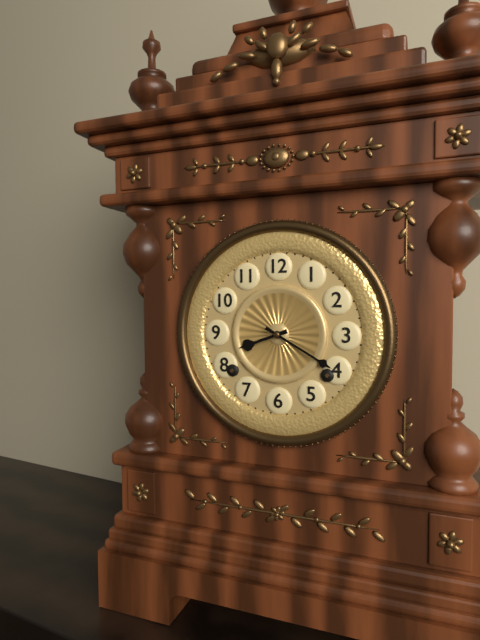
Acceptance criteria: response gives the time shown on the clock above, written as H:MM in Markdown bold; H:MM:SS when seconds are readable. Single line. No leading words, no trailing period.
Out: **8:20**
